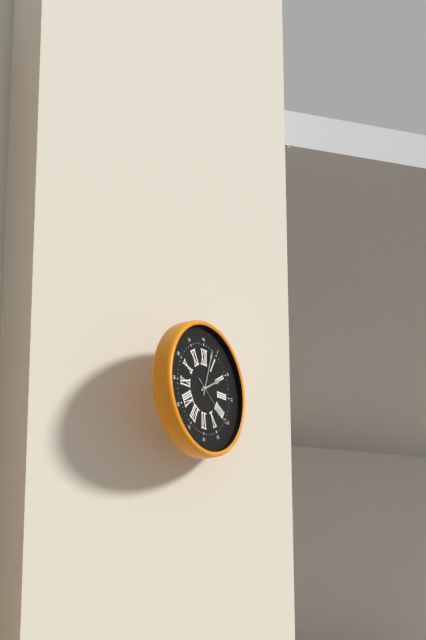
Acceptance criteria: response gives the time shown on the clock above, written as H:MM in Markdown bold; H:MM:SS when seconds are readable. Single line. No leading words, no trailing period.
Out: **2:03:21**
